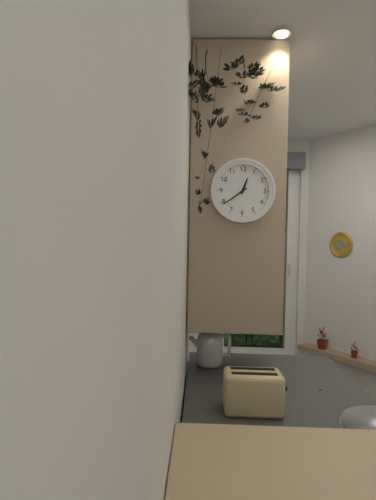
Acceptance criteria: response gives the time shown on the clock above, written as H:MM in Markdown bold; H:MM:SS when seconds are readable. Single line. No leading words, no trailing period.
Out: **12:39**
